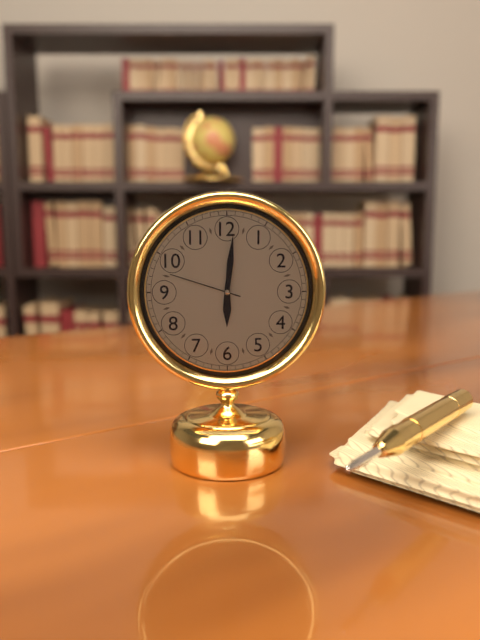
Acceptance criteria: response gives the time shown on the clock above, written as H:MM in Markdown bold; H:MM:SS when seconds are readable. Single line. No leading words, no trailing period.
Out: **6:01:48**
